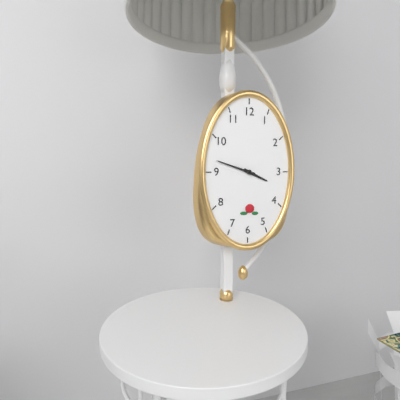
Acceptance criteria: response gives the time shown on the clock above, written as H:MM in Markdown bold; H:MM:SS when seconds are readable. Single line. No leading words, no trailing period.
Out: **3:48**
